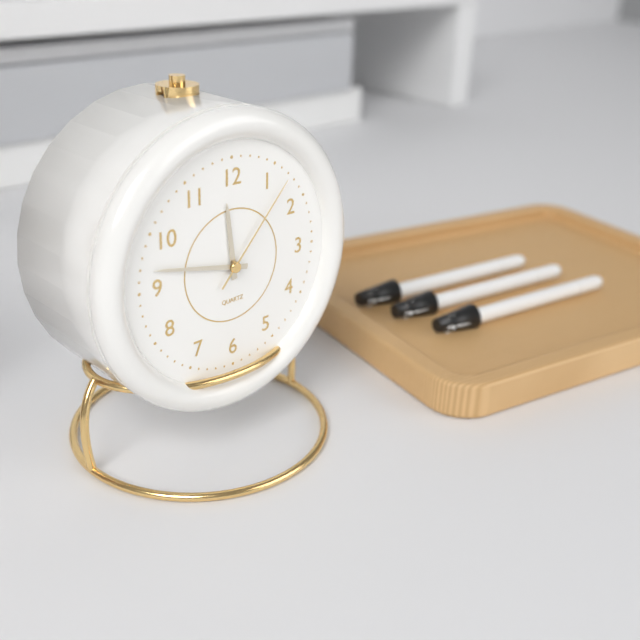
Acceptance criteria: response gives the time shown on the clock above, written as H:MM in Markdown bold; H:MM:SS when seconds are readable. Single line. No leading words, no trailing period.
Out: **11:47:07**
